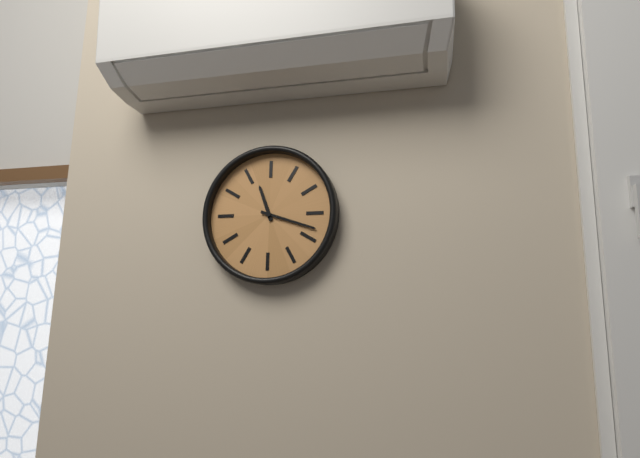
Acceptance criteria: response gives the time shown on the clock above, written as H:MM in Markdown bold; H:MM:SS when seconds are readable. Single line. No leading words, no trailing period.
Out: **11:18**
